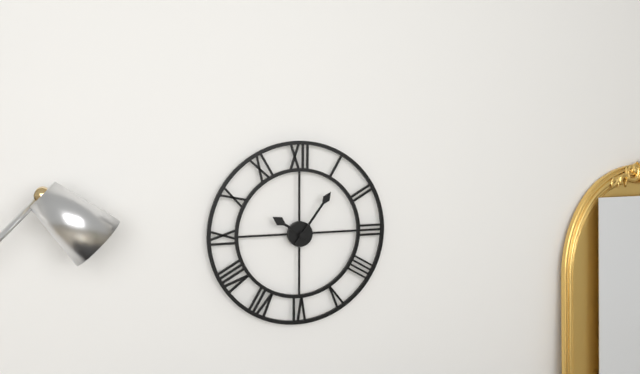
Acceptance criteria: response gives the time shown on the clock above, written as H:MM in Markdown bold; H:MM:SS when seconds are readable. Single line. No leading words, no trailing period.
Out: **10:06**
